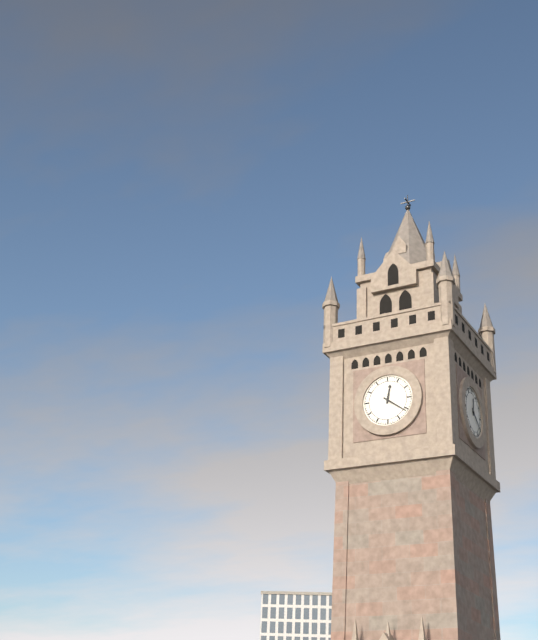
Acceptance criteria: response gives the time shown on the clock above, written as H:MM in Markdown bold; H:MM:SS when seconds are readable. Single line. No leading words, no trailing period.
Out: **12:21**
